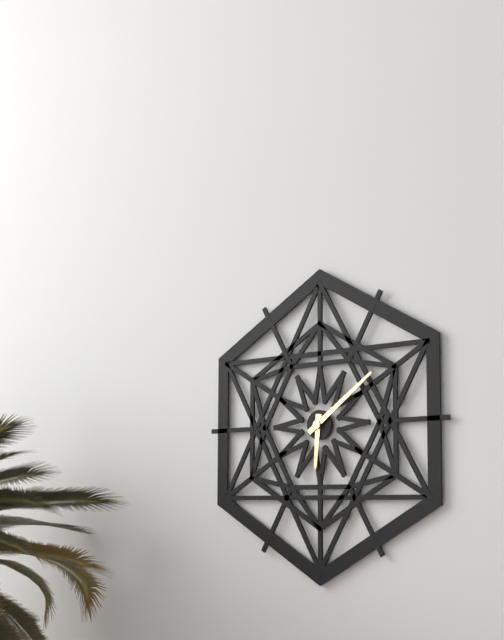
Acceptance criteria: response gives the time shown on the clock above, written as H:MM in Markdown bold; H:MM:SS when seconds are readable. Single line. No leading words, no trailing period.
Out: **6:09**
